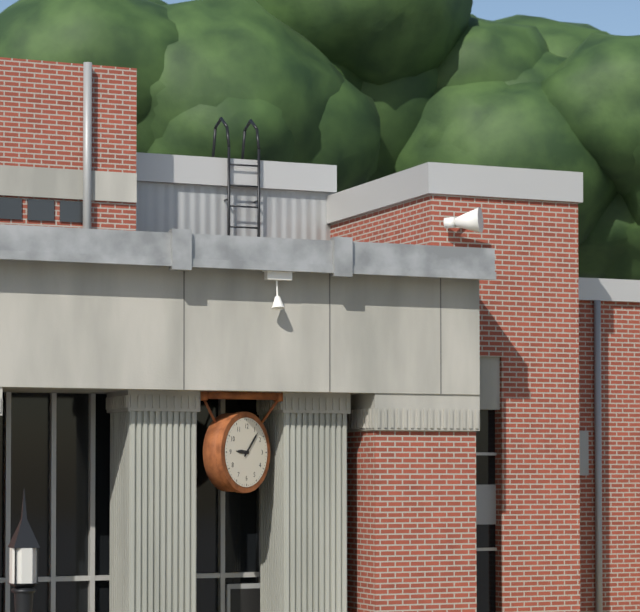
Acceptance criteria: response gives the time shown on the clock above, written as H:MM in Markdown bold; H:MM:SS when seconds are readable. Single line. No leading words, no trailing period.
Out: **9:07**
